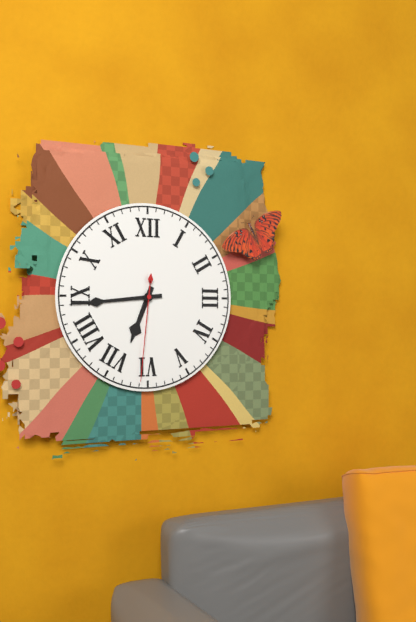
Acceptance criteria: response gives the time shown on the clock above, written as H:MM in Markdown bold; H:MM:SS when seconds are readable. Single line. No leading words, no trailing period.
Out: **6:44:31**
